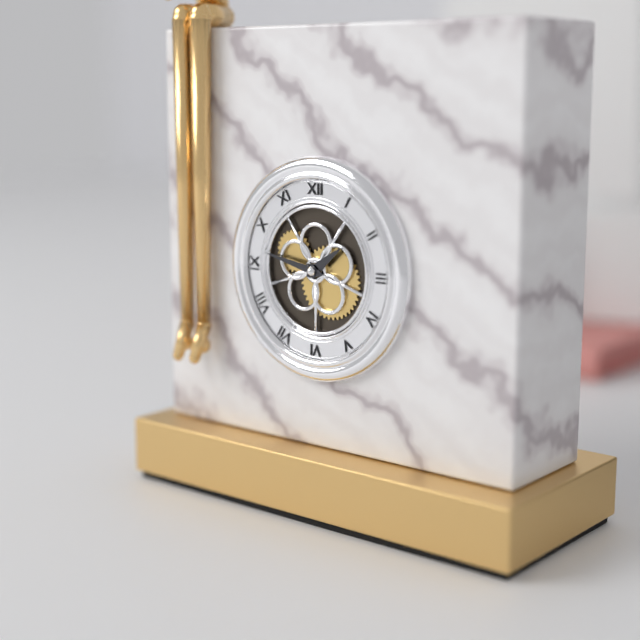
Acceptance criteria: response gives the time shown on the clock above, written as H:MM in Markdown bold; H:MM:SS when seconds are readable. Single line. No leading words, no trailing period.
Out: **1:47**
